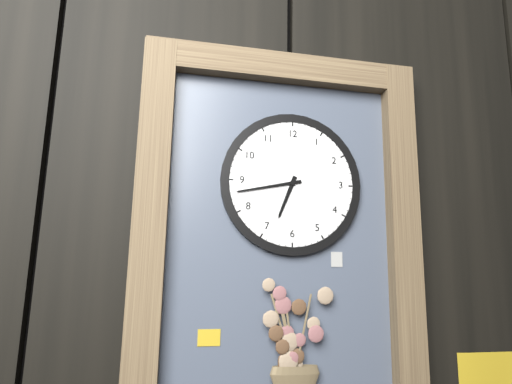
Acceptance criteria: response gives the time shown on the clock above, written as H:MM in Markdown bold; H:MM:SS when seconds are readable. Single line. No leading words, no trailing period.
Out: **6:43**
